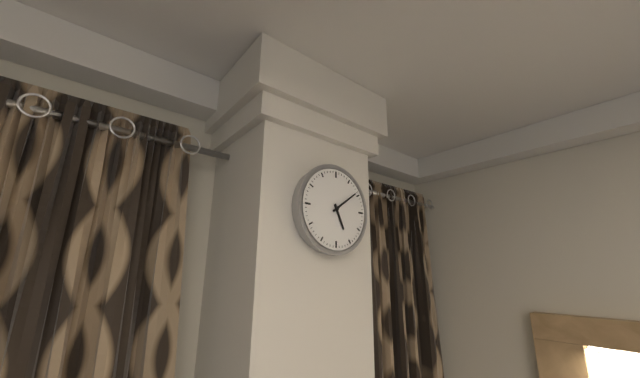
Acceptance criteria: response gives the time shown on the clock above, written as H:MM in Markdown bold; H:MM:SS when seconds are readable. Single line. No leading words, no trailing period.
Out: **5:09**
